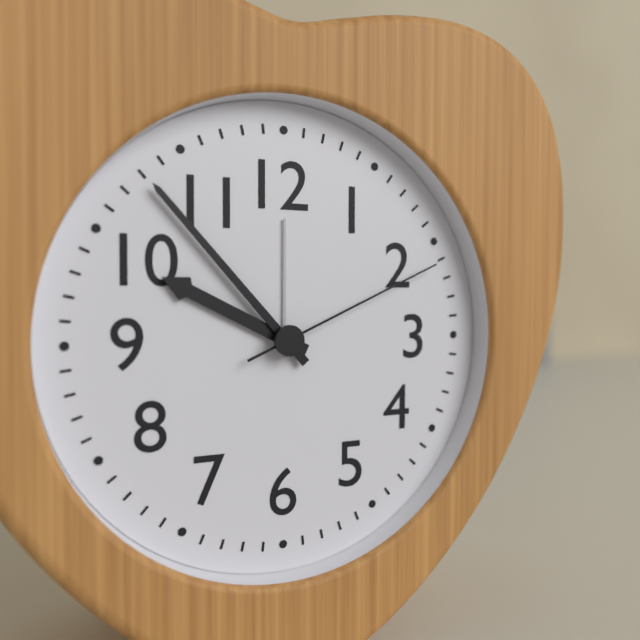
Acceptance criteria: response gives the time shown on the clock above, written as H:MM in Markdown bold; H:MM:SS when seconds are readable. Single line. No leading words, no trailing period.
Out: **9:53:11**
